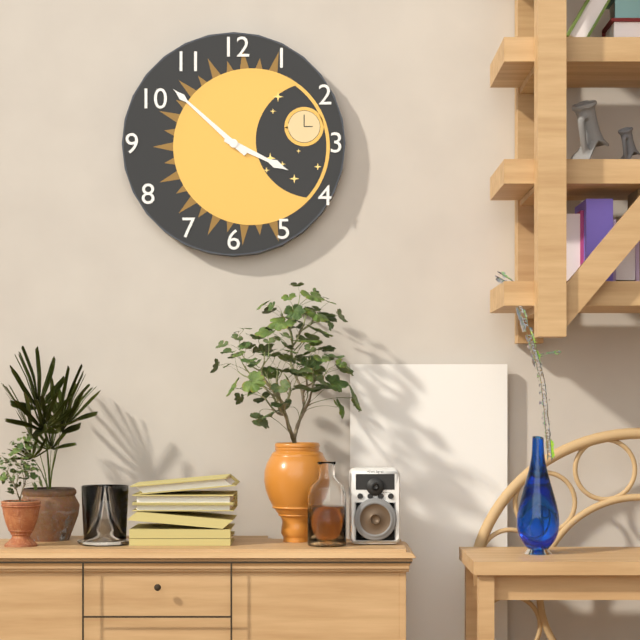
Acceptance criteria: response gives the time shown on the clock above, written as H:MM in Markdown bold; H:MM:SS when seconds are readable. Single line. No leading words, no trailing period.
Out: **3:52**
